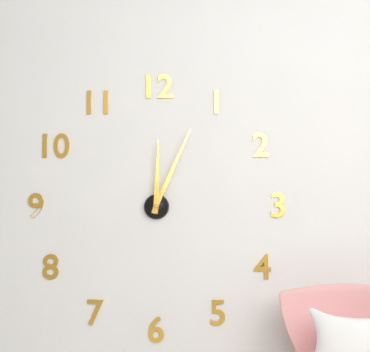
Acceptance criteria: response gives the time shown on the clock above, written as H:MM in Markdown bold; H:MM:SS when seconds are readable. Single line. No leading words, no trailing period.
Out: **12:04**
